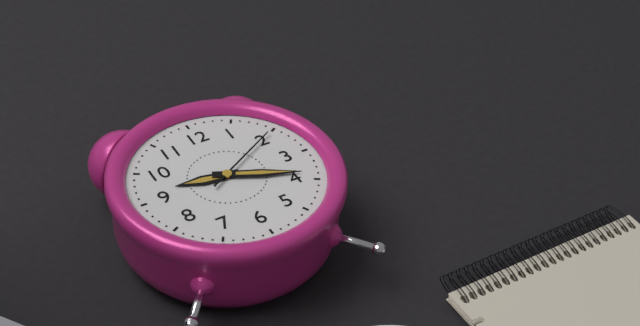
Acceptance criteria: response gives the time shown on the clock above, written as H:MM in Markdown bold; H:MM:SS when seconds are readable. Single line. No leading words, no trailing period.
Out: **9:19:10**
